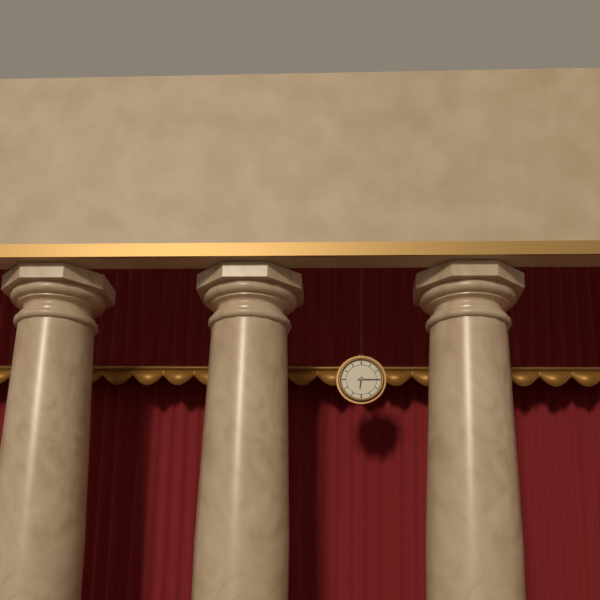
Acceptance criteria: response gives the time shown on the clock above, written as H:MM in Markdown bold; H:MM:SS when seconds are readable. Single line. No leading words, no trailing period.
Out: **6:15**
